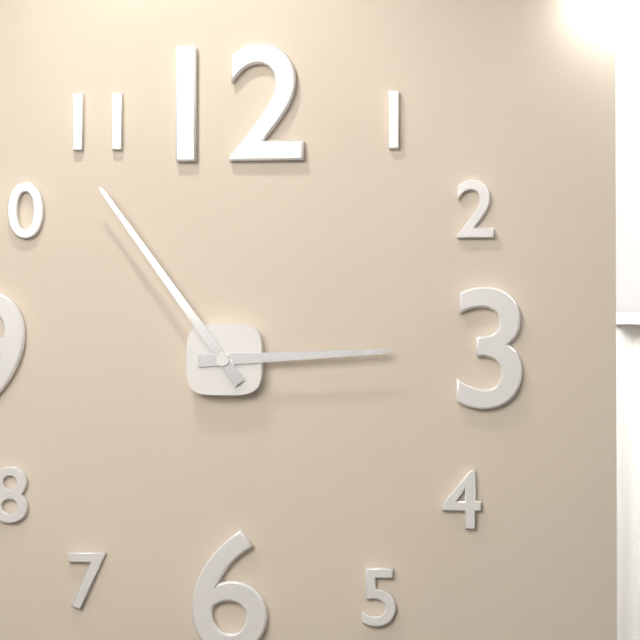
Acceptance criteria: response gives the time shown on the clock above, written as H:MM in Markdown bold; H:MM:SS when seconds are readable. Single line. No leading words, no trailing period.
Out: **2:54**
